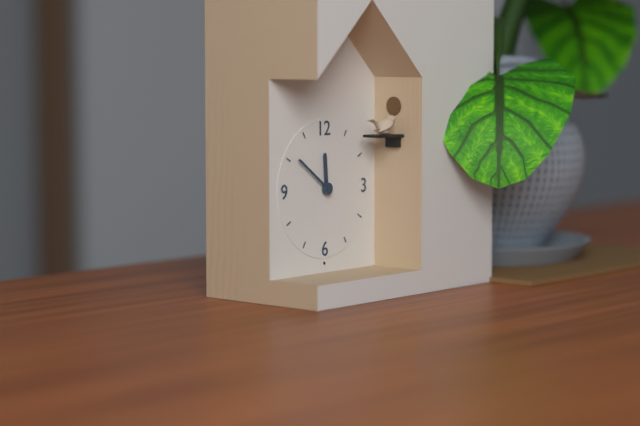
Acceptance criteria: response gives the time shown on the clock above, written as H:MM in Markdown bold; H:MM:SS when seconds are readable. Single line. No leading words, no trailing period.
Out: **11:51**
